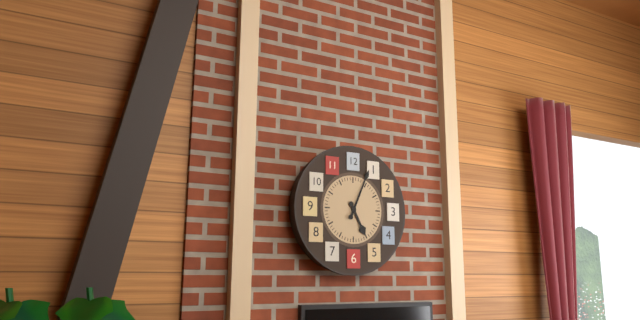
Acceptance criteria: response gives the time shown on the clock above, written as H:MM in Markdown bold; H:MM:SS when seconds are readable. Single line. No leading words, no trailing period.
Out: **5:04**
